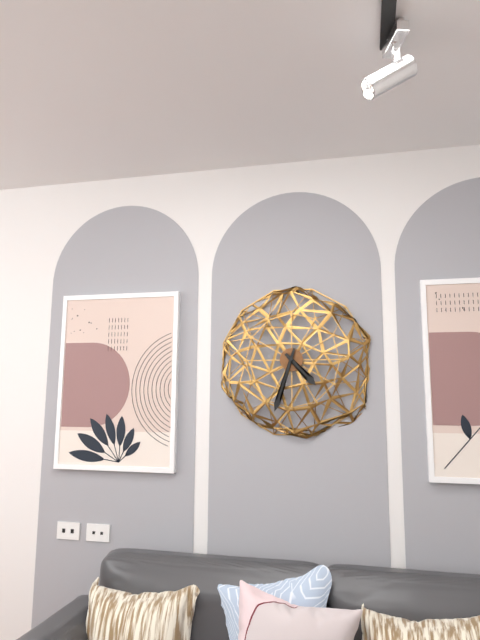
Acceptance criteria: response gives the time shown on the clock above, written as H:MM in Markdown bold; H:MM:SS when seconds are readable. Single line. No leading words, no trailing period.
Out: **4:33**
